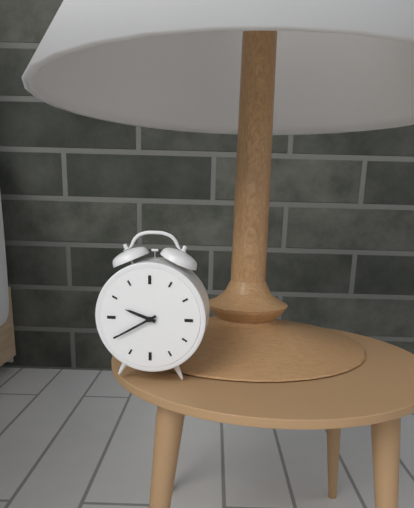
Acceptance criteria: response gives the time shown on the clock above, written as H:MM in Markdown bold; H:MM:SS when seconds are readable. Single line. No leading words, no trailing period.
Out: **9:40**
